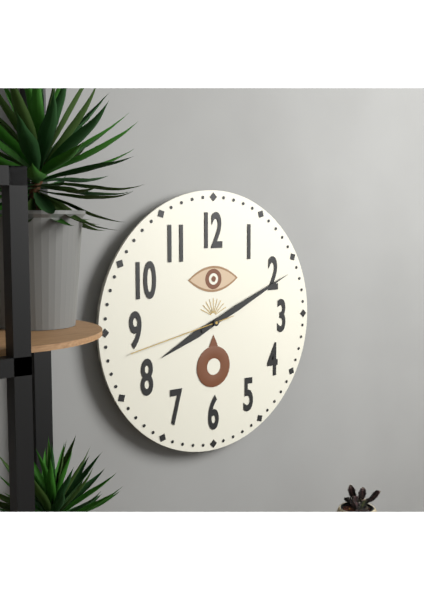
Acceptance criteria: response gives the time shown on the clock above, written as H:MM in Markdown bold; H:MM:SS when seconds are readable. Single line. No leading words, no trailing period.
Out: **8:11:43**
